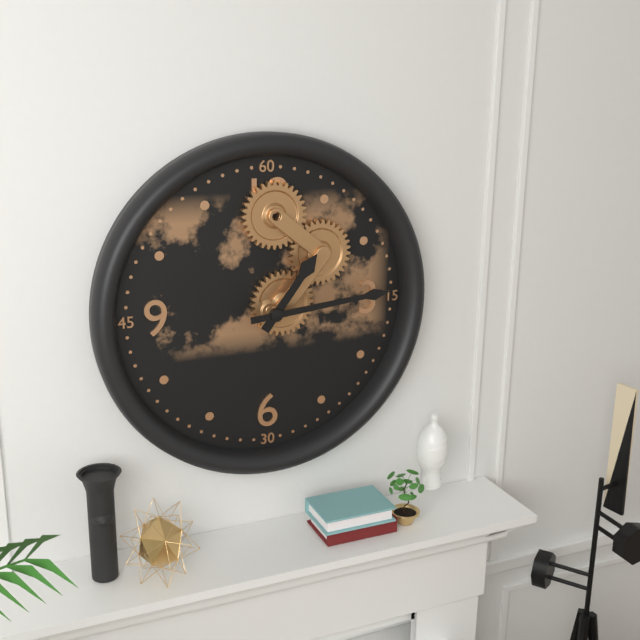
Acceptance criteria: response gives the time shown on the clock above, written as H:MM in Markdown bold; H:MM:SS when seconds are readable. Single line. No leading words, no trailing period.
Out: **1:14**
